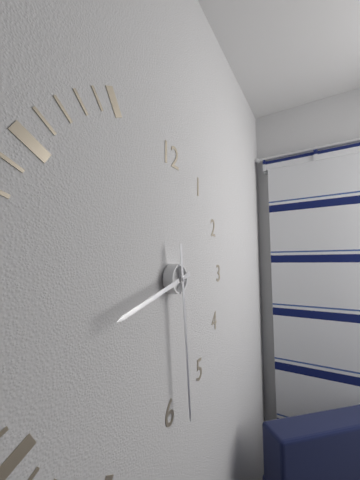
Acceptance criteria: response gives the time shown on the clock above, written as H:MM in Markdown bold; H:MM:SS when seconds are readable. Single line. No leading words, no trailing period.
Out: **8:29**
